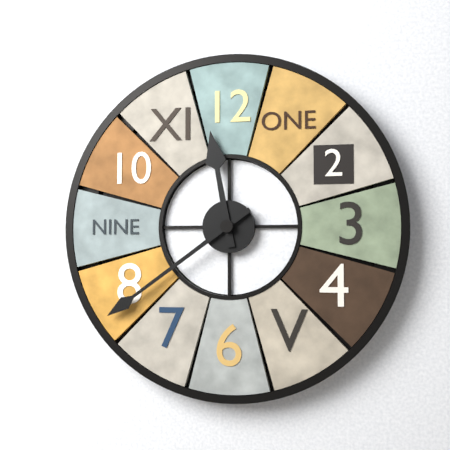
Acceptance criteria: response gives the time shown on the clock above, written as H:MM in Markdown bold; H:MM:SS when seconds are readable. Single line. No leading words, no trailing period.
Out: **11:39**
